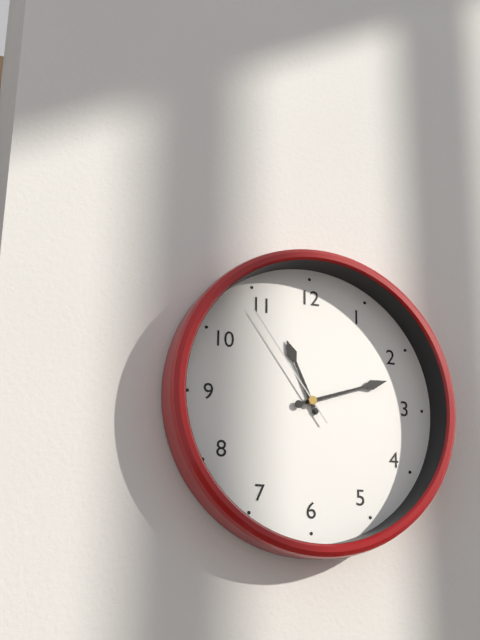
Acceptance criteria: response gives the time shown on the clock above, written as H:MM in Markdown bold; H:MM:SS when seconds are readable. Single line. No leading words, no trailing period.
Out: **11:12:54**
